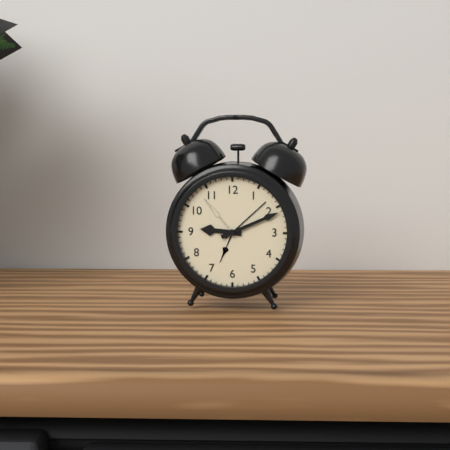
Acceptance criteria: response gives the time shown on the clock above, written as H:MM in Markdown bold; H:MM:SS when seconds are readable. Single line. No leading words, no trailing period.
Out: **9:11**
